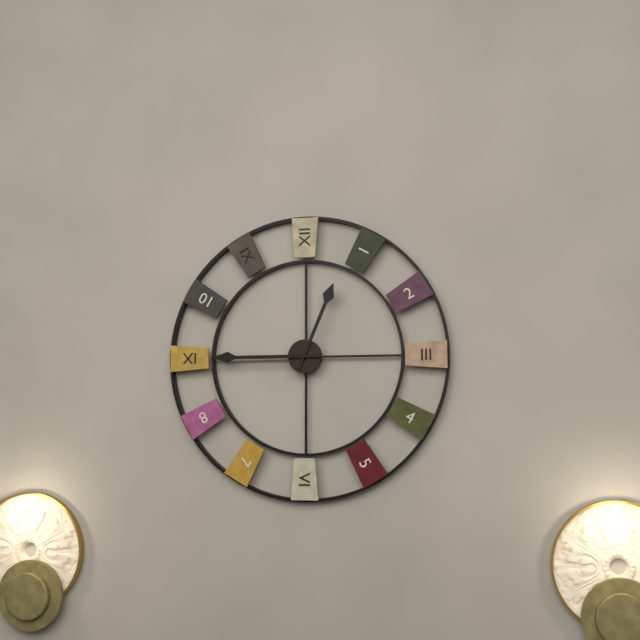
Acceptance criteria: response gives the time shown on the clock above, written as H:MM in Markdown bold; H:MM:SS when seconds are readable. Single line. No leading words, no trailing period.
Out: **12:45**
